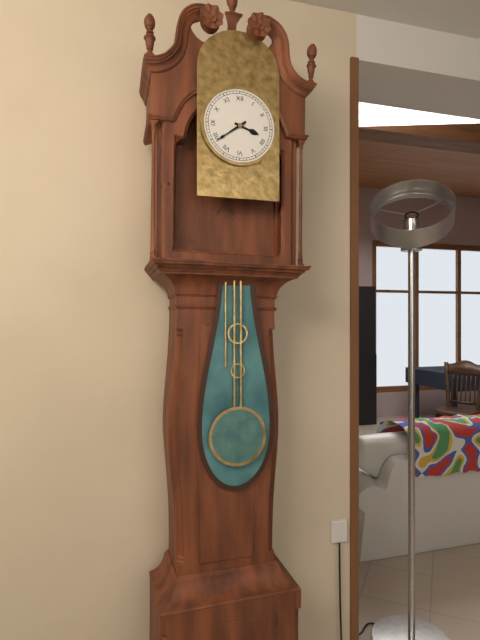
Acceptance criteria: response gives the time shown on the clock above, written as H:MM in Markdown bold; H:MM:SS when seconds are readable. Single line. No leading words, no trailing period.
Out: **3:39**
